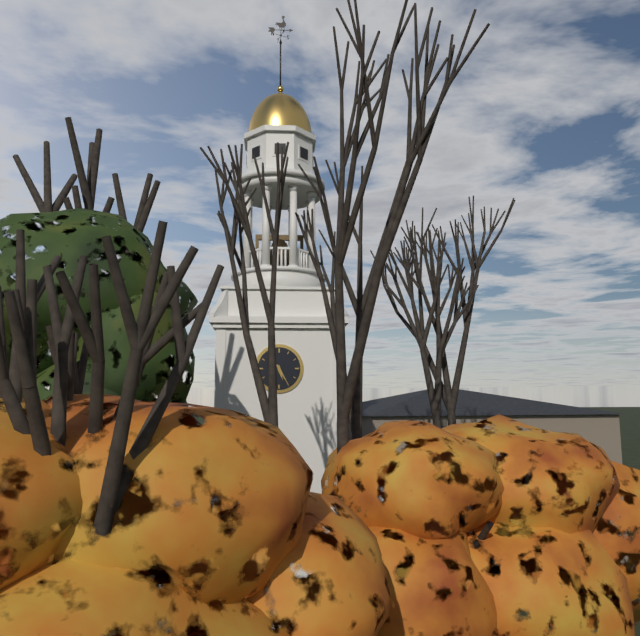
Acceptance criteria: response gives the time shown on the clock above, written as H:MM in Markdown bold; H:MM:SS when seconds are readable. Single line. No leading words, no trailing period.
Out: **5:25**
